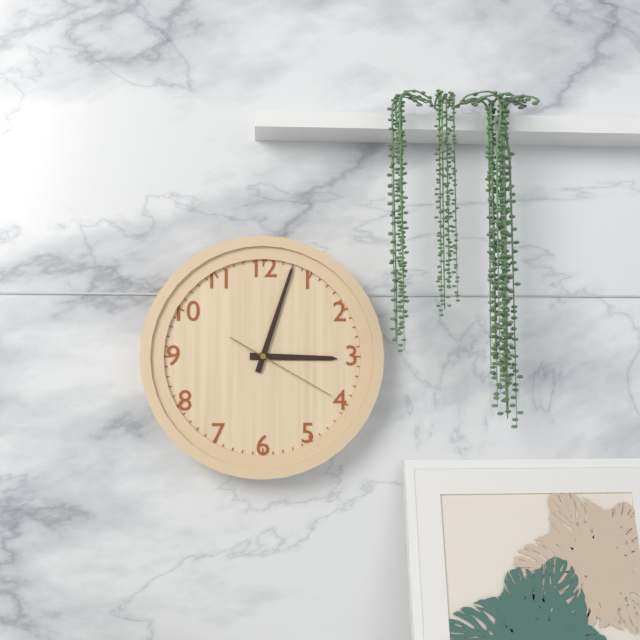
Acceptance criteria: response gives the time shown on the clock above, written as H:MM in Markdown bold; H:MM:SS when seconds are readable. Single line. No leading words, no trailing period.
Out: **3:03:20**
